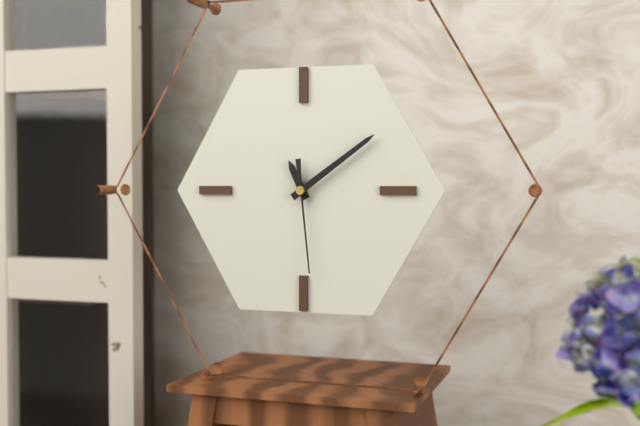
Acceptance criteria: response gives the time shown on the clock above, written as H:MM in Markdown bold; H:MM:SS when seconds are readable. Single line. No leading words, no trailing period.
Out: **11:09:29**
